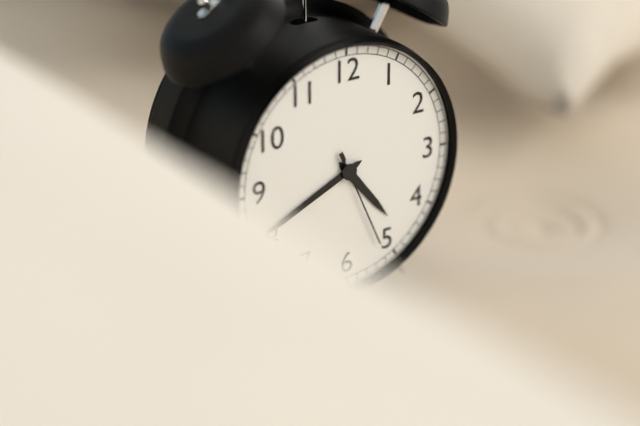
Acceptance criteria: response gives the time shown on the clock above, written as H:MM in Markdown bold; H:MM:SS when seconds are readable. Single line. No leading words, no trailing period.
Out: **4:41:26**
